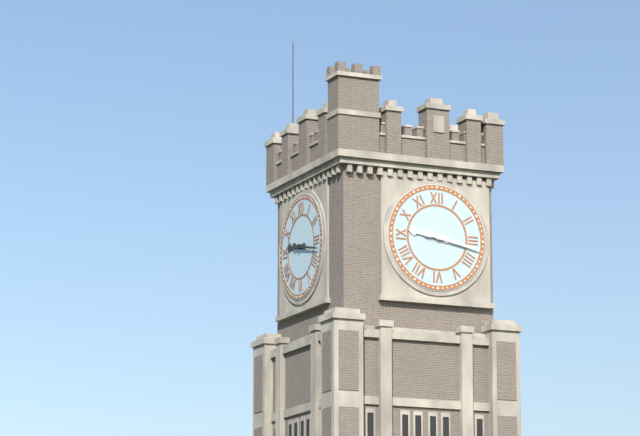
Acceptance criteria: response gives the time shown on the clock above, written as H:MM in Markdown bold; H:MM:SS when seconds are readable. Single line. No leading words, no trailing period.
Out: **9:17**
